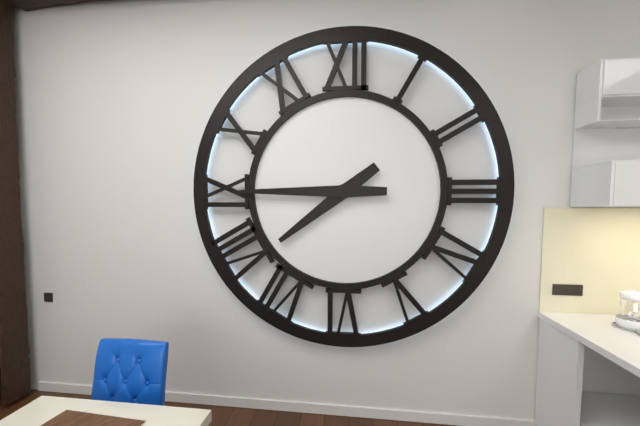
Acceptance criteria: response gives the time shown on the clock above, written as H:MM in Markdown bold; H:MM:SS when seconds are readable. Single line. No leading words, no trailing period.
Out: **7:45**
